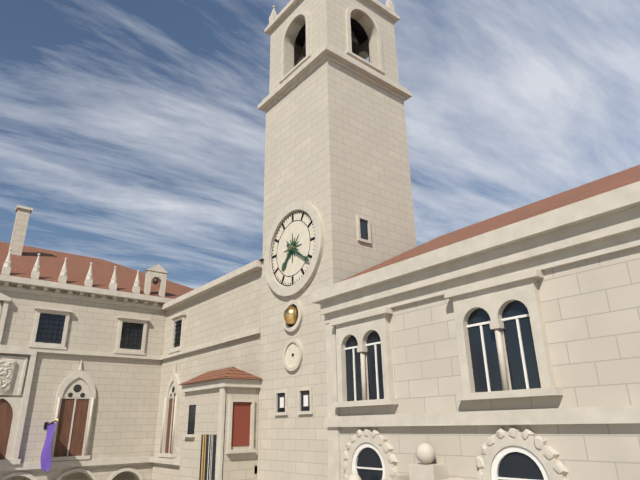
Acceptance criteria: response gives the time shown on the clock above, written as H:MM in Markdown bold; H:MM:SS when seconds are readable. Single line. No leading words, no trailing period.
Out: **7:21**
